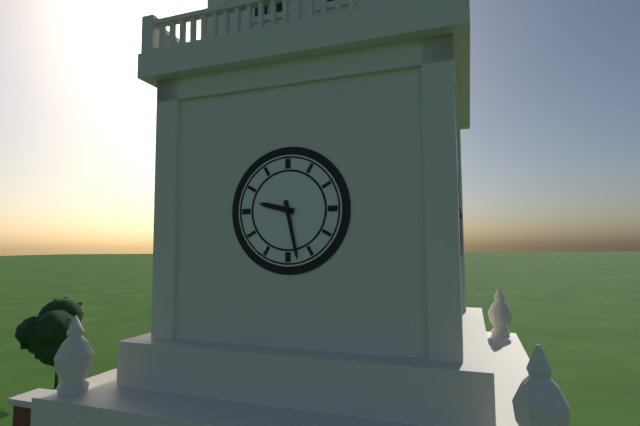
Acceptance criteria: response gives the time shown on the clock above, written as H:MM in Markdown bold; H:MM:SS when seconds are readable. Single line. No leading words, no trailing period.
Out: **9:28**
